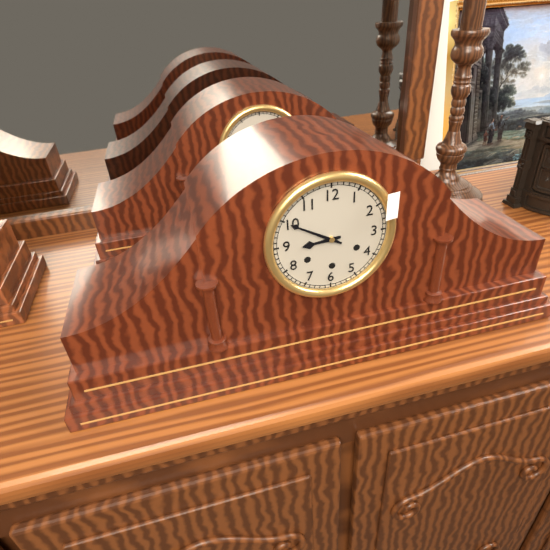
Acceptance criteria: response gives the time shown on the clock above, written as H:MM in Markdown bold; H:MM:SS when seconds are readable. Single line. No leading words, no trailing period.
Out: **8:50**
